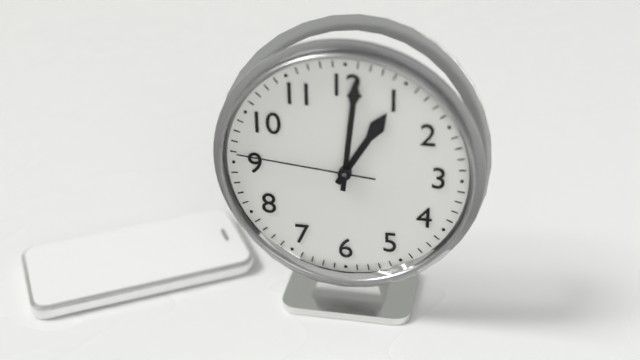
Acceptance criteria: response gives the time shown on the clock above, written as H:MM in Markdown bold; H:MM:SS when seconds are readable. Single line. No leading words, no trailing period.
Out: **1:01:46**
